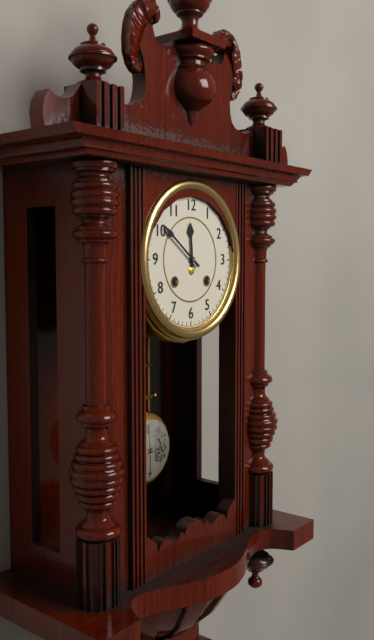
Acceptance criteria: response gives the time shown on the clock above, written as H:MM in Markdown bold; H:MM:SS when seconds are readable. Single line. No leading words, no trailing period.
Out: **11:51**
